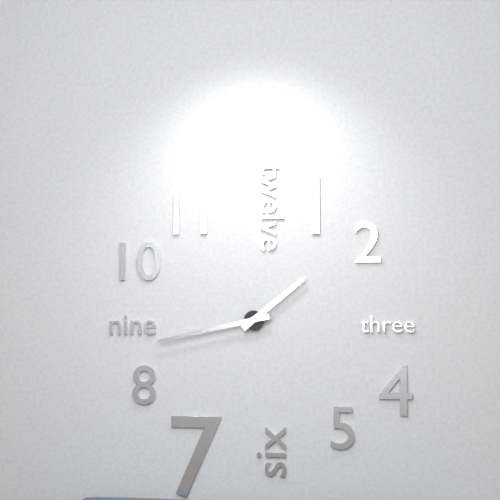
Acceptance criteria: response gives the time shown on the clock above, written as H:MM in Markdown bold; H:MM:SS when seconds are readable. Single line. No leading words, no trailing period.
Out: **1:43**
